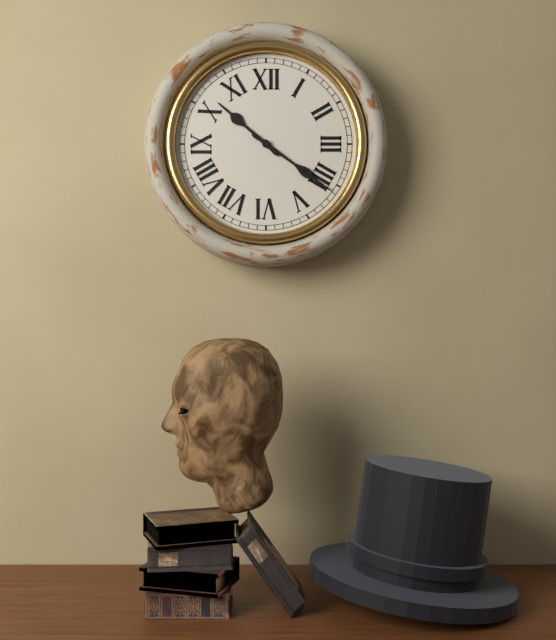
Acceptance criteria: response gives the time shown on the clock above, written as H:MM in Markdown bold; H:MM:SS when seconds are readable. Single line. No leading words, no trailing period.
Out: **10:21**
